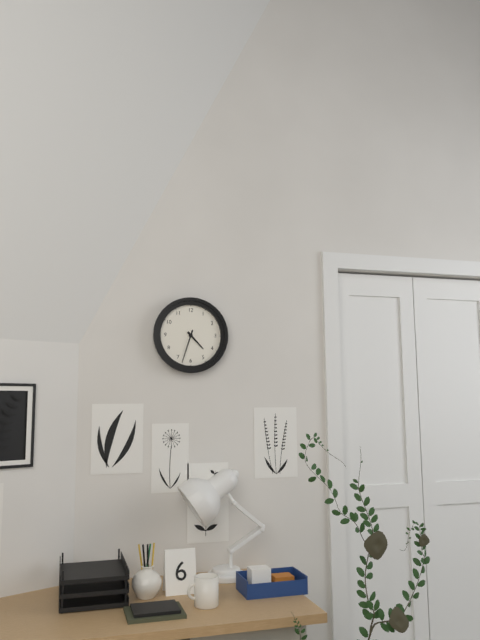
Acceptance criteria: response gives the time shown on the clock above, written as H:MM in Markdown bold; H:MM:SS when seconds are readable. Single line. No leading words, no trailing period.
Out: **4:33**
